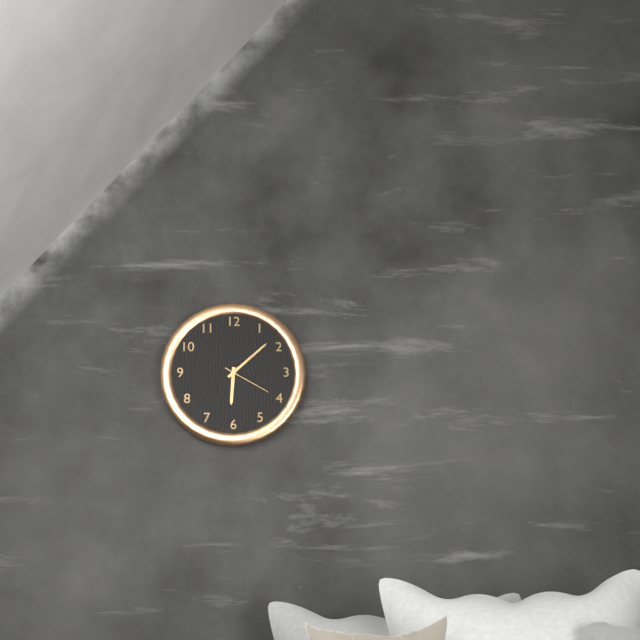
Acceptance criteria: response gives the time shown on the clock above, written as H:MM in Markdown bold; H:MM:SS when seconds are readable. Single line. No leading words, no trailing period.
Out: **6:08:20**
